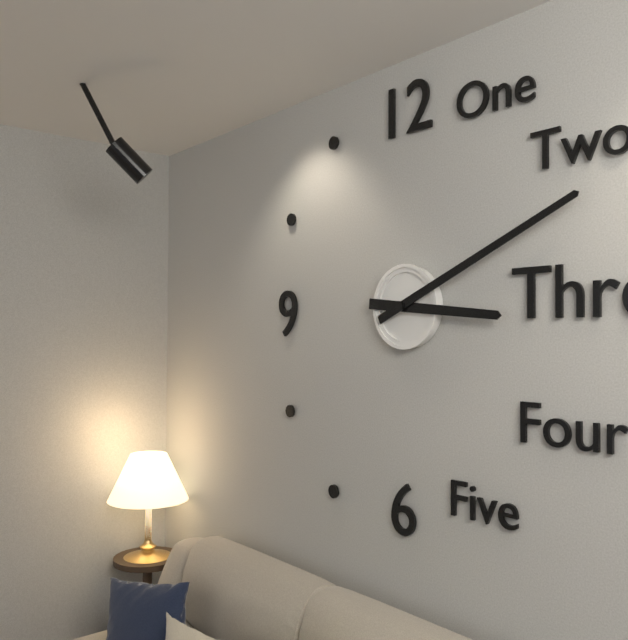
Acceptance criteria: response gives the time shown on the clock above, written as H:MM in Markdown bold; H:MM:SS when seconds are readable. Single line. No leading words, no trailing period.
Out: **3:11**
